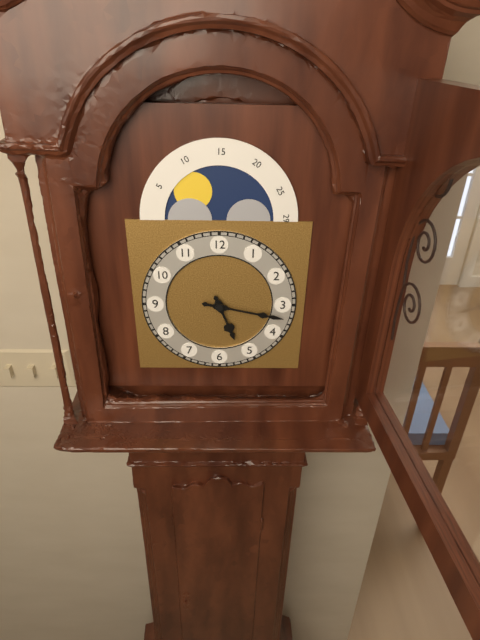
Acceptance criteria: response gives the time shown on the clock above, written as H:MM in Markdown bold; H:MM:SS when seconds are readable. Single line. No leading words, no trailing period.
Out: **5:17**
